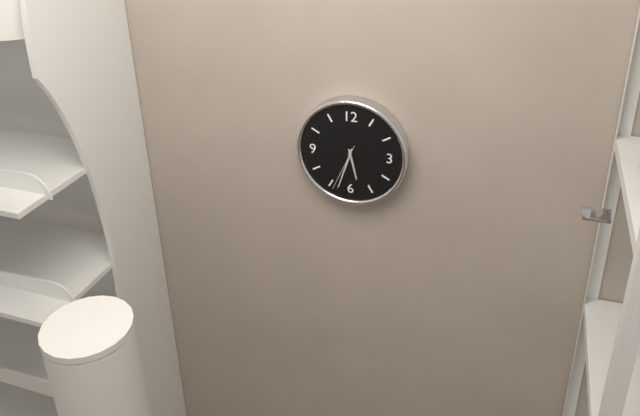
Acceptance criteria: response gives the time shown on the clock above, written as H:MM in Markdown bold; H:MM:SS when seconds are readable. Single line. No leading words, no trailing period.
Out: **5:33**
